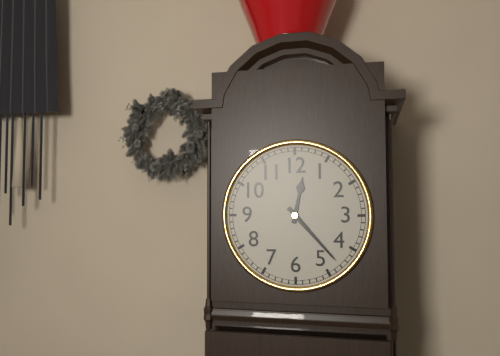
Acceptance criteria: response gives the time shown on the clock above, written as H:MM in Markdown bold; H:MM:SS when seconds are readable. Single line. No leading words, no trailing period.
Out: **12:23**
